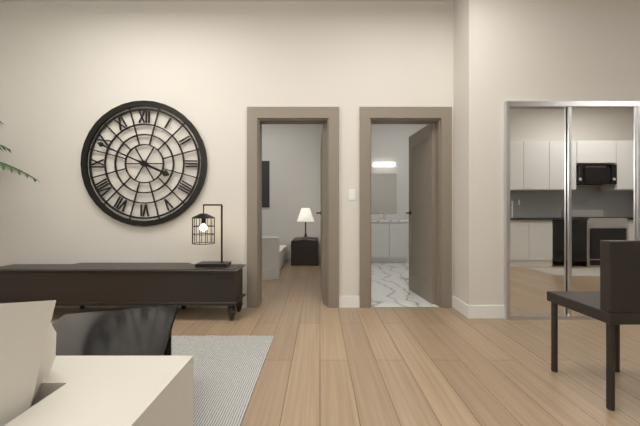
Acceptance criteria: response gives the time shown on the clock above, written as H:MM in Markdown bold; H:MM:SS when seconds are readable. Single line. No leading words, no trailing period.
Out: **3:49**
